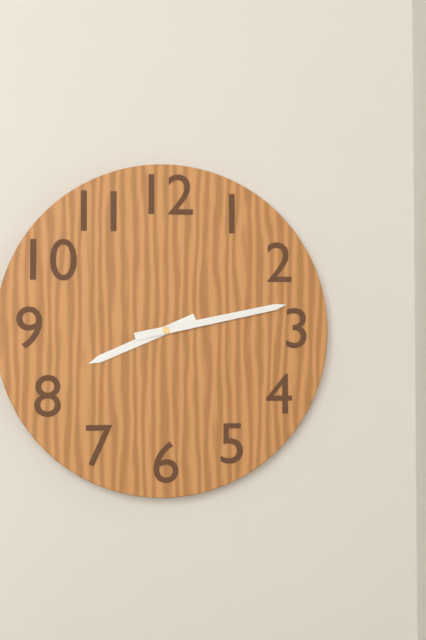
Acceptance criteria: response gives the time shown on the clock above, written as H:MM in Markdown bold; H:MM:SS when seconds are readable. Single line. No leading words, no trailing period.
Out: **8:13**
